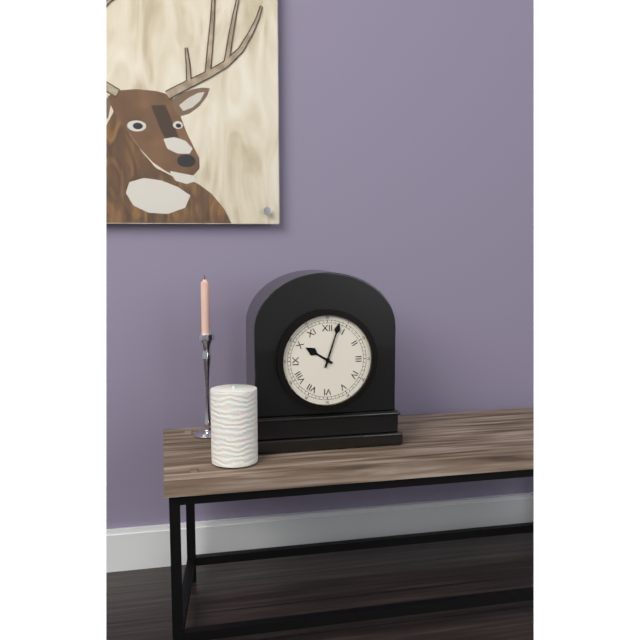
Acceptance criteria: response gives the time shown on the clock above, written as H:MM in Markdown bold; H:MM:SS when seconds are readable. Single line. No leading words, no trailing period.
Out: **10:03**
